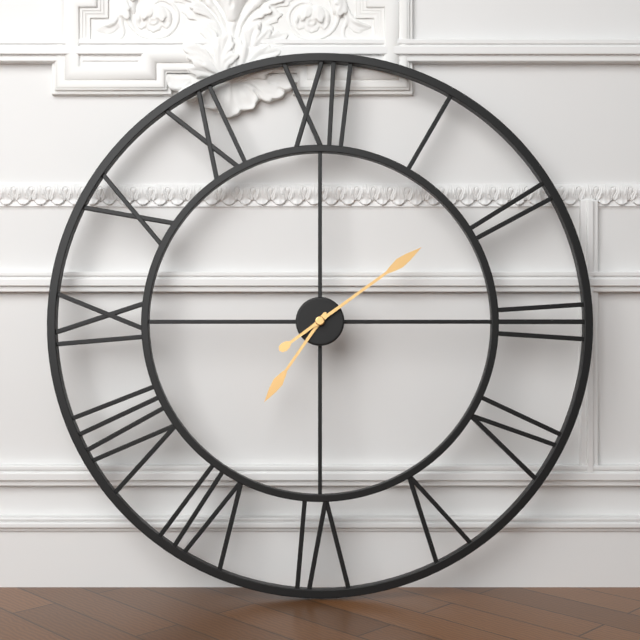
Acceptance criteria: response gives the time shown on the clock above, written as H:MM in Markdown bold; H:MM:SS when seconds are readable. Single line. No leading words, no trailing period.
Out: **7:09**
